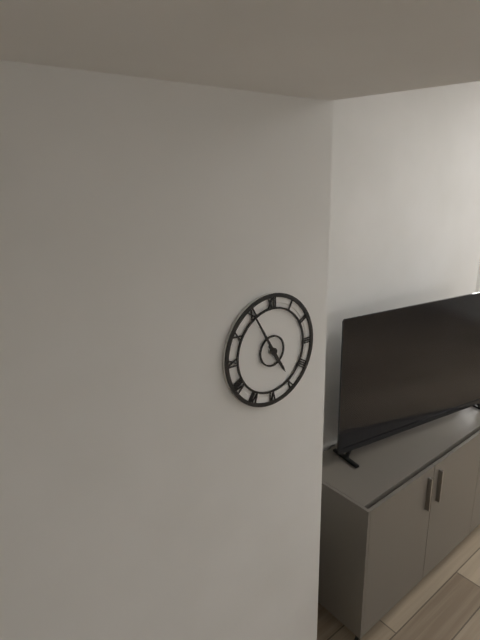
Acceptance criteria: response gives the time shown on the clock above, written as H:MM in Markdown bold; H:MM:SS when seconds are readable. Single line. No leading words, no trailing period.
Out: **4:55**
